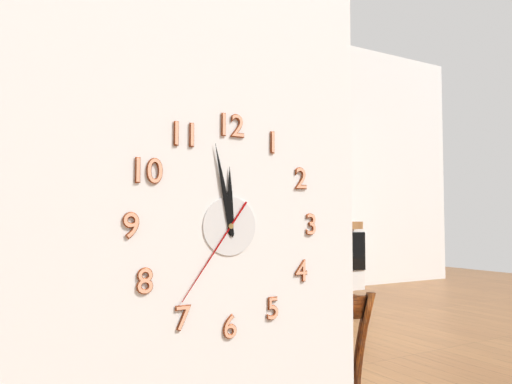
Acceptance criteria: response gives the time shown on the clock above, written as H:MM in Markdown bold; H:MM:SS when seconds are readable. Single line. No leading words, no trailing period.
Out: **11:58:36**
